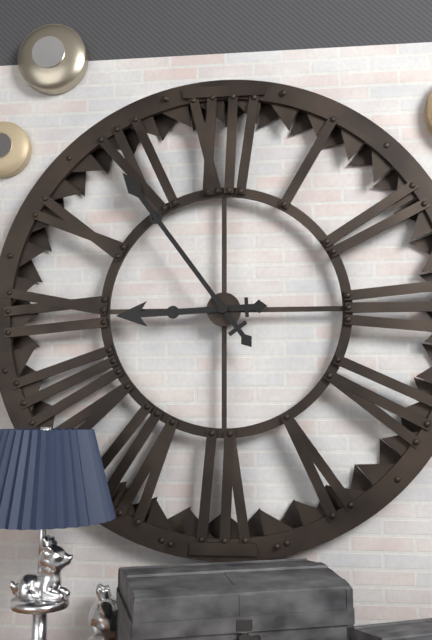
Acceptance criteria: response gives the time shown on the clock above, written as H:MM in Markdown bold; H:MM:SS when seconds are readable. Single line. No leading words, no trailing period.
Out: **8:54**
